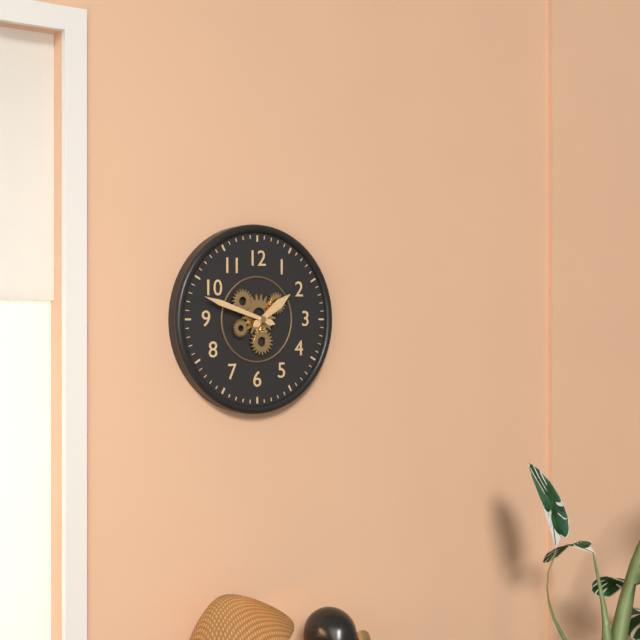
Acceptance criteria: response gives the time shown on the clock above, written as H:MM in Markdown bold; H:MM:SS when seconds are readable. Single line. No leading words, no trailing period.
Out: **1:48**
